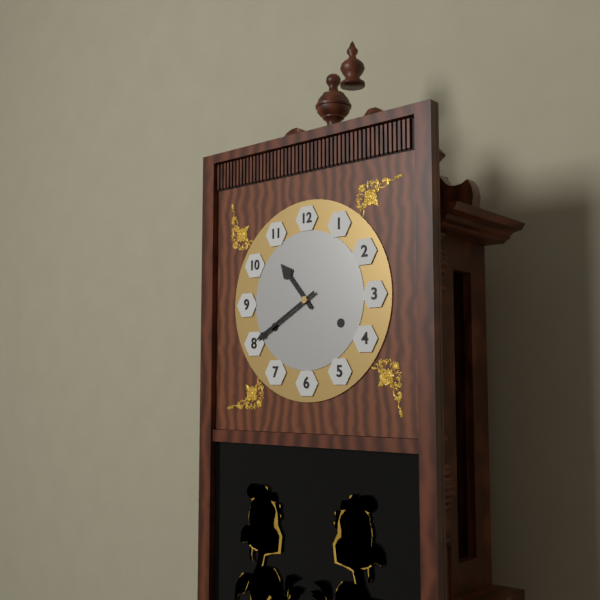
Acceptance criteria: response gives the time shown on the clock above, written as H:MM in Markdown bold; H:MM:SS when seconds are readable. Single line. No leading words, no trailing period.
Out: **10:40**
